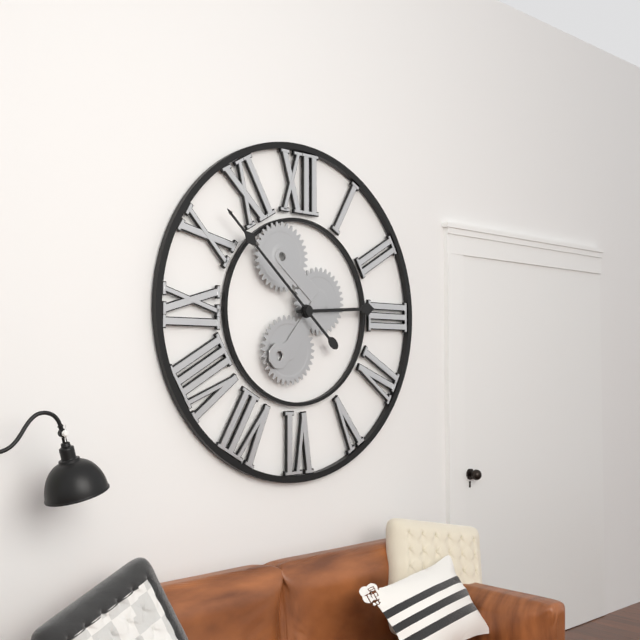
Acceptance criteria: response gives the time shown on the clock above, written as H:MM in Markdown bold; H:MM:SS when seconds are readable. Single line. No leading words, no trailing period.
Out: **2:52**
